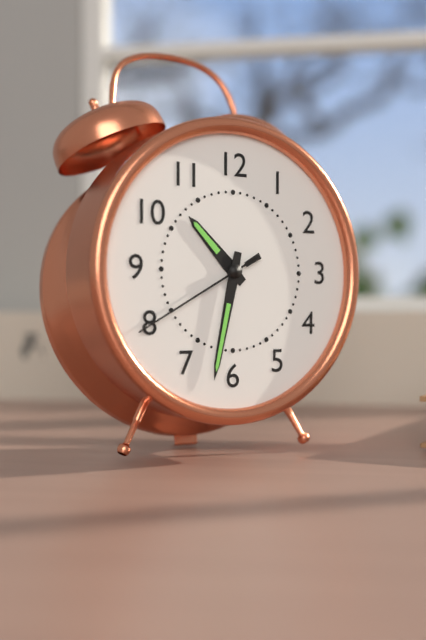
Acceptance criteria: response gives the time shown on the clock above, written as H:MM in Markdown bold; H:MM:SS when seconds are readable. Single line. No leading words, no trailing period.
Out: **10:32:40**
